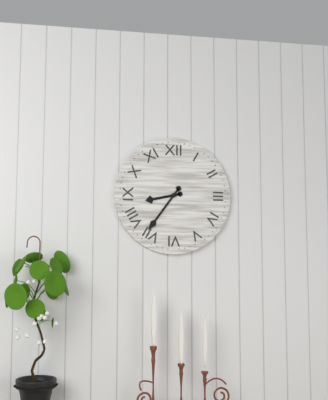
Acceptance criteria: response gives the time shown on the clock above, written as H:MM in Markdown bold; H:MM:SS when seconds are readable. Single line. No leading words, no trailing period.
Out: **8:36**
